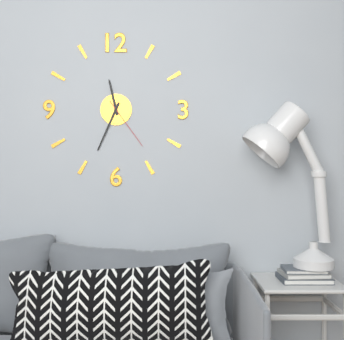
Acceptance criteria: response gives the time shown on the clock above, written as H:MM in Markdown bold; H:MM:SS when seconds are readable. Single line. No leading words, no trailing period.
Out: **11:34:24**
